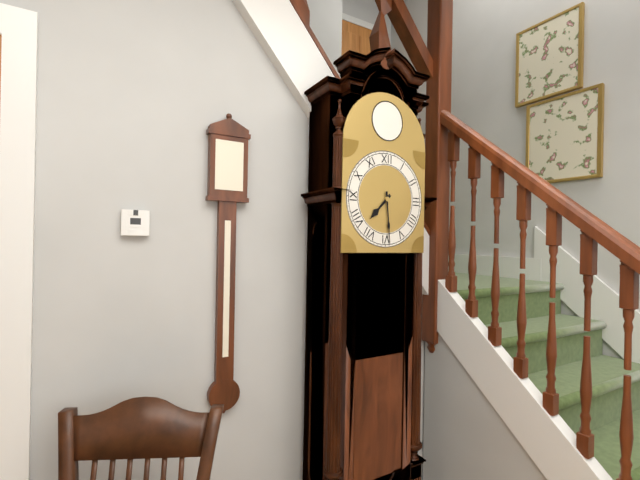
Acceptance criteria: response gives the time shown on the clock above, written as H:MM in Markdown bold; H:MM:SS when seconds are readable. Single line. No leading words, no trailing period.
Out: **7:29**
